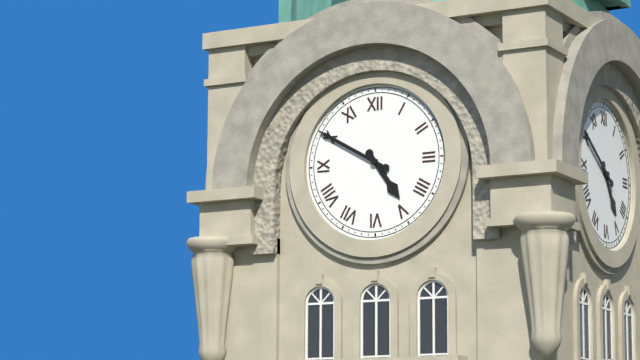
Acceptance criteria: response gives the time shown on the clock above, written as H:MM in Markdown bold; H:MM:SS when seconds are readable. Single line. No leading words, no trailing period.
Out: **4:50**
